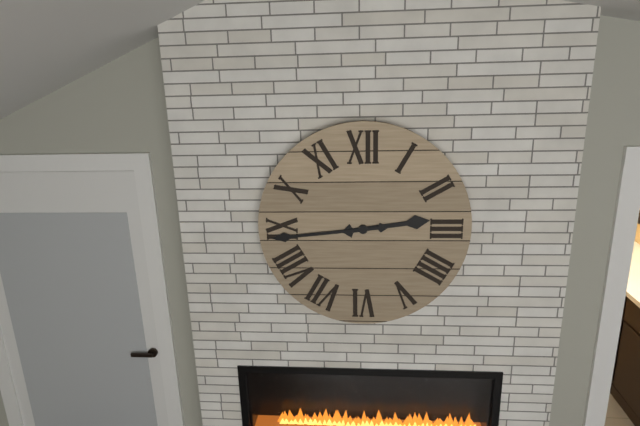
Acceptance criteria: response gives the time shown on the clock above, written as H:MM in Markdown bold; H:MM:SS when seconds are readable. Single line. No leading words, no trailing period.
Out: **2:44**
